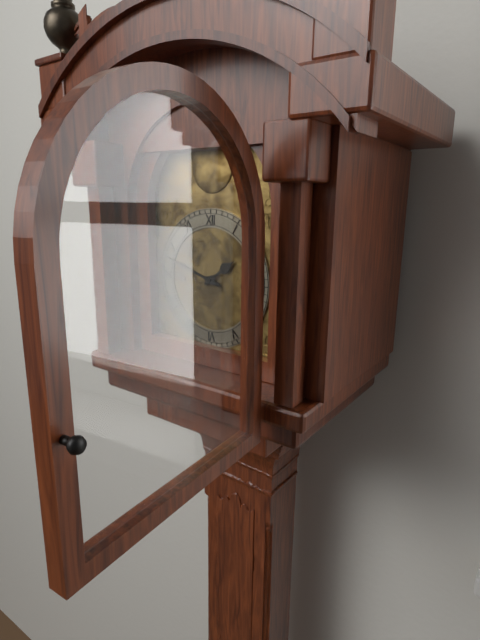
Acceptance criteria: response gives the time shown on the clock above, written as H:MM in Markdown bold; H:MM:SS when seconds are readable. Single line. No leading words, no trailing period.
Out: **1:48**
